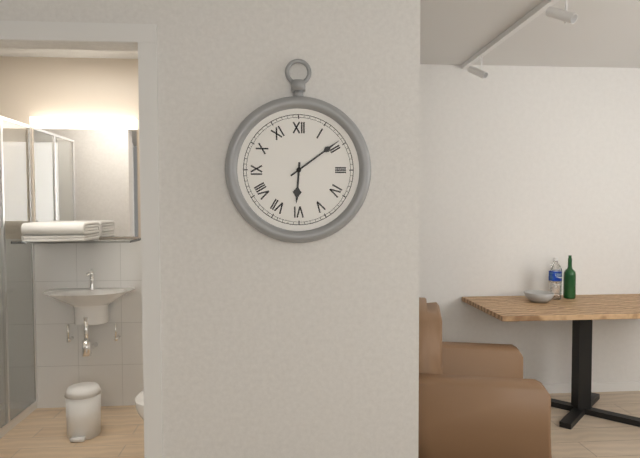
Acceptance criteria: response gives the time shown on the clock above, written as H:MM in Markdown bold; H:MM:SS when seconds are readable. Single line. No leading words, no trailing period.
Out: **6:09**
